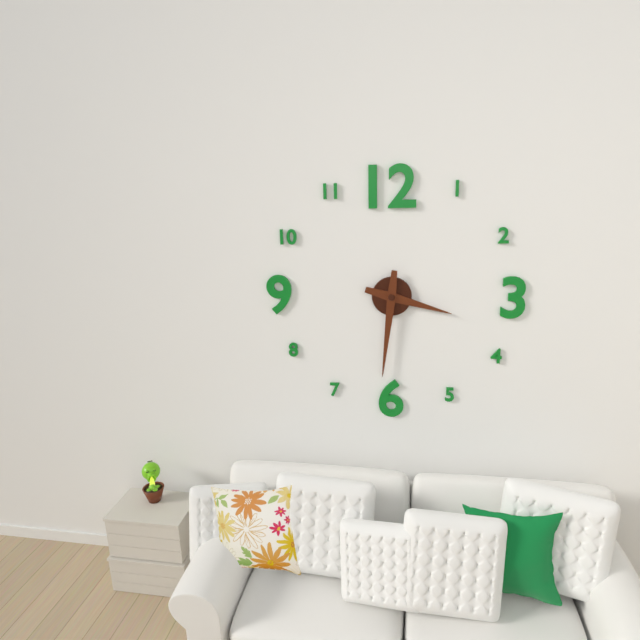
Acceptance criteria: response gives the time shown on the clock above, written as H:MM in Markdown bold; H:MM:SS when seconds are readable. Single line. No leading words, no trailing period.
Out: **3:31**
